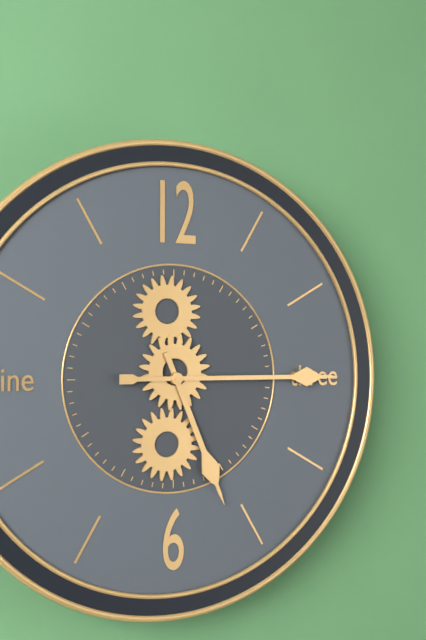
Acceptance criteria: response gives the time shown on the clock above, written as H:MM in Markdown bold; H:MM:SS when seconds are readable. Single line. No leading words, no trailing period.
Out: **5:15**
